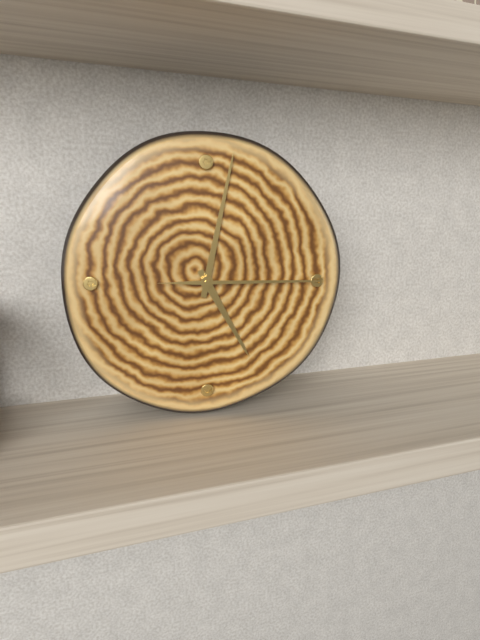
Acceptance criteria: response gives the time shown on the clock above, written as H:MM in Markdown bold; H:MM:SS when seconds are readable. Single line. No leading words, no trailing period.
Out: **5:02:15**
